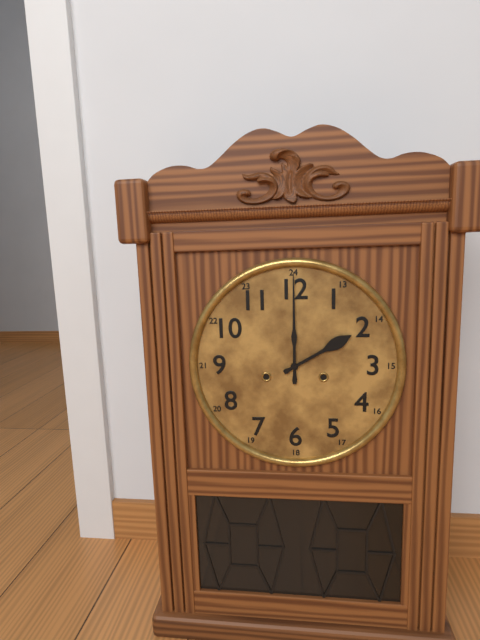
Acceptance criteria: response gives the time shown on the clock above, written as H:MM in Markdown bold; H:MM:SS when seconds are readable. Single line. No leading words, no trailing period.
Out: **2:00**
